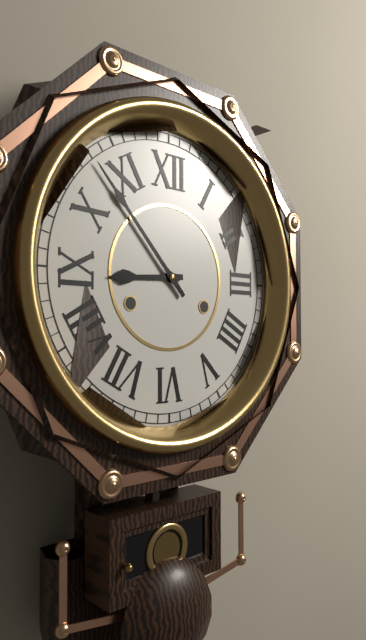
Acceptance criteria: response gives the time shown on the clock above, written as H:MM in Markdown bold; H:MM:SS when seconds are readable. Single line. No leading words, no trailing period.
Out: **8:53**
